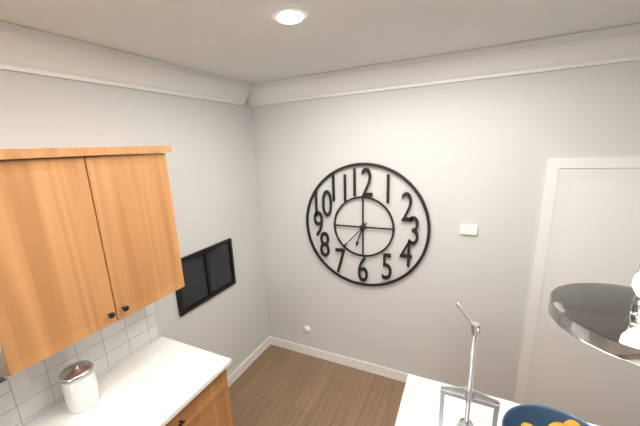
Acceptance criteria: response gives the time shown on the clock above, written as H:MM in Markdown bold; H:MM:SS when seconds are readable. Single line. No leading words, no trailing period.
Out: **6:37**
